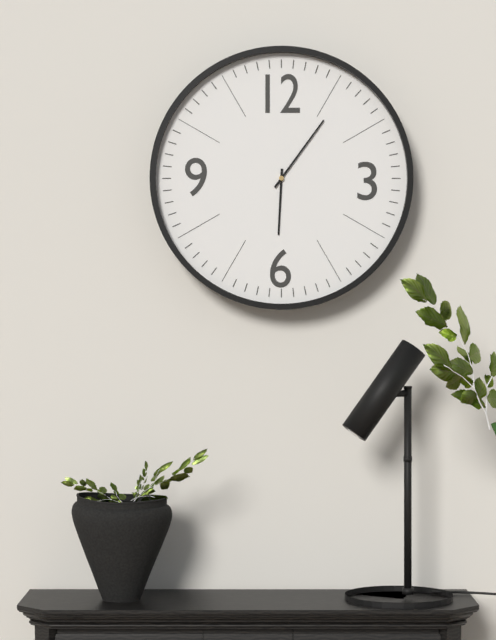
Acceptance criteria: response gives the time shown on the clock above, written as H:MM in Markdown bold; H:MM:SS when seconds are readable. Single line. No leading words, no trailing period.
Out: **6:06**
